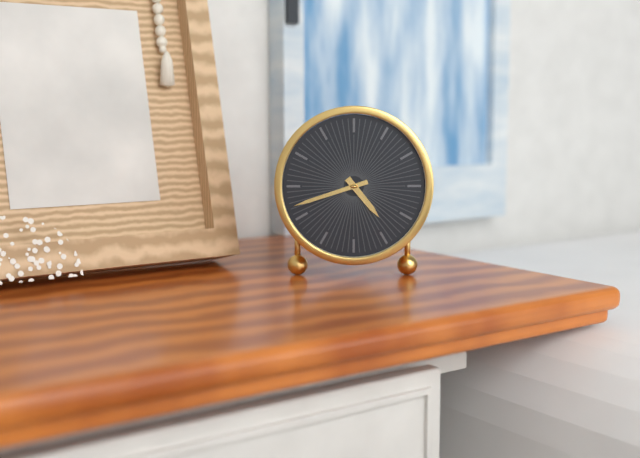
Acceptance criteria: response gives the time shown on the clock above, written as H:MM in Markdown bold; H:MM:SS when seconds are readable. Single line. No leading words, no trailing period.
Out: **4:42**
